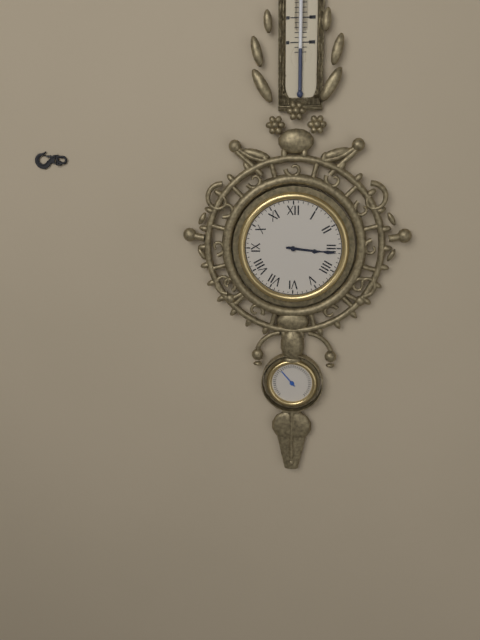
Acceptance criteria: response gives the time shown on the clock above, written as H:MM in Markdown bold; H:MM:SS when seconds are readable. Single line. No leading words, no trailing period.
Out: **3:16**
